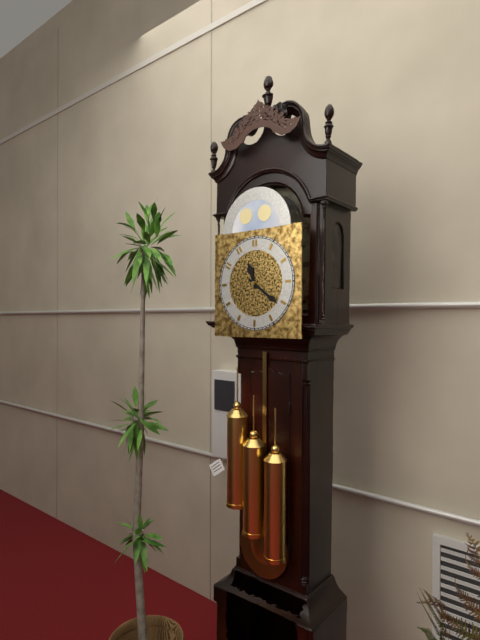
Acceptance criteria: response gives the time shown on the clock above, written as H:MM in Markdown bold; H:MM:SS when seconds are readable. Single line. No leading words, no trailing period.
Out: **11:21**
